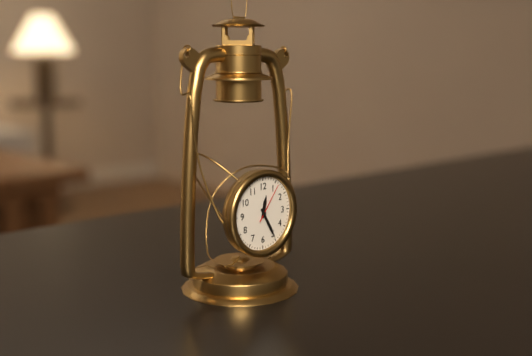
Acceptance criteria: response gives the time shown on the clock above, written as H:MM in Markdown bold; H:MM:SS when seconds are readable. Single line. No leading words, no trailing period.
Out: **12:25**
